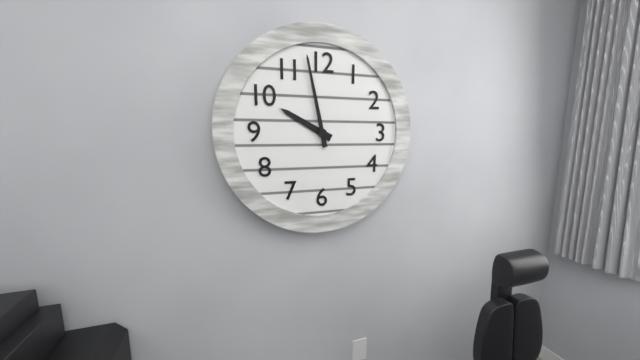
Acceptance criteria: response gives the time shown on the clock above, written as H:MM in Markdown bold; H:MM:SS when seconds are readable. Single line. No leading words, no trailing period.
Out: **9:58**
